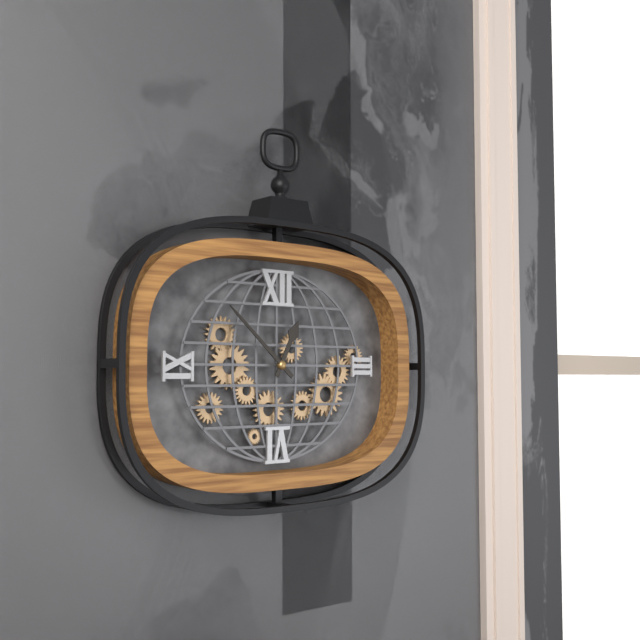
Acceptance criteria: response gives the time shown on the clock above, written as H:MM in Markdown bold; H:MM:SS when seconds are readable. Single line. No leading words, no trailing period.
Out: **12:52**
